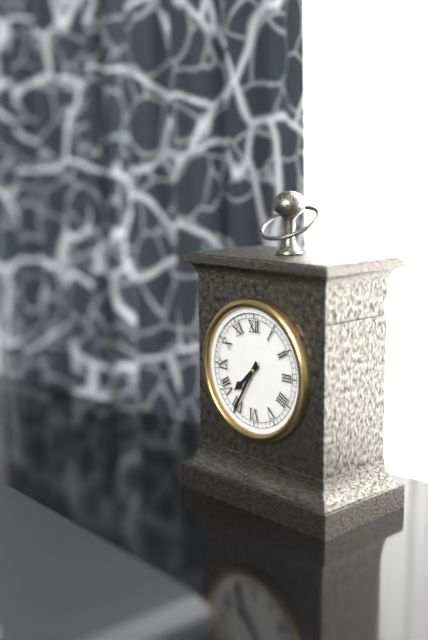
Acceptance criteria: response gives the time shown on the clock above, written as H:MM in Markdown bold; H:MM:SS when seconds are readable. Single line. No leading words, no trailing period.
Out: **7:35**
